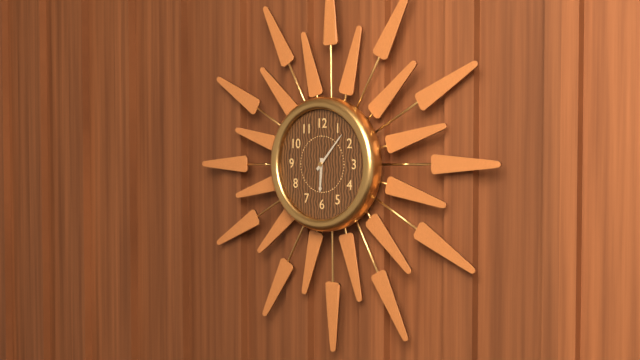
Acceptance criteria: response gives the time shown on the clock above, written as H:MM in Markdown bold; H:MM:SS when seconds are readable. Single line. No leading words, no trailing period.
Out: **6:07**
